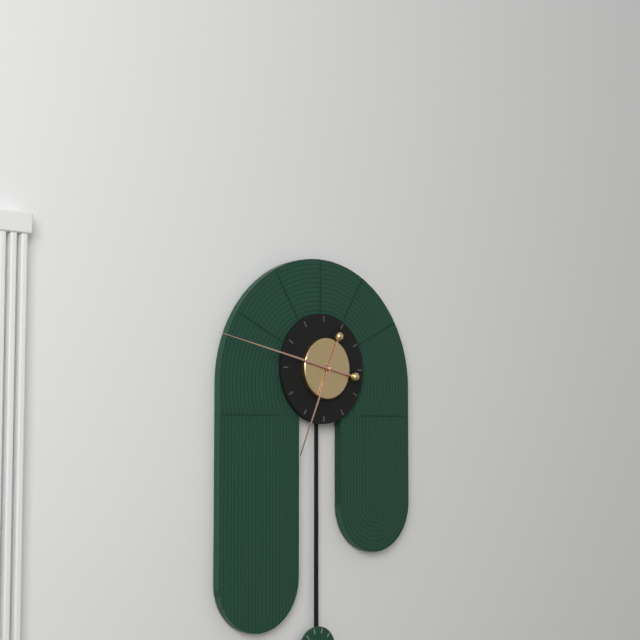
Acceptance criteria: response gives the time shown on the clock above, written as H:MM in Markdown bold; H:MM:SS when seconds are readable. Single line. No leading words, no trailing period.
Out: **6:47**
